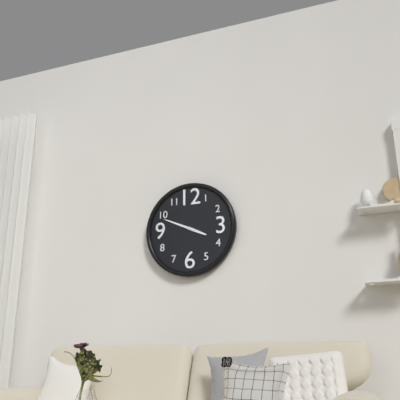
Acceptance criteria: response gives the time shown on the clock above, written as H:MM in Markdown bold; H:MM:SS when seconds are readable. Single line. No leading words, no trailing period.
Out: **3:49**
